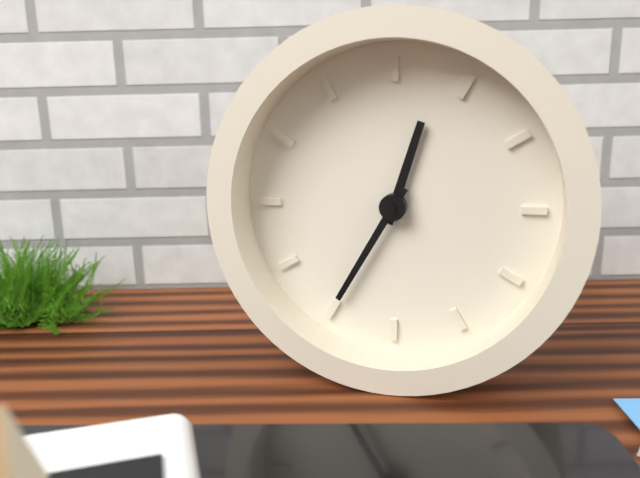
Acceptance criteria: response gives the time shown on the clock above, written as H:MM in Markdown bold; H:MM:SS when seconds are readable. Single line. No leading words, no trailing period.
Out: **12:35**
